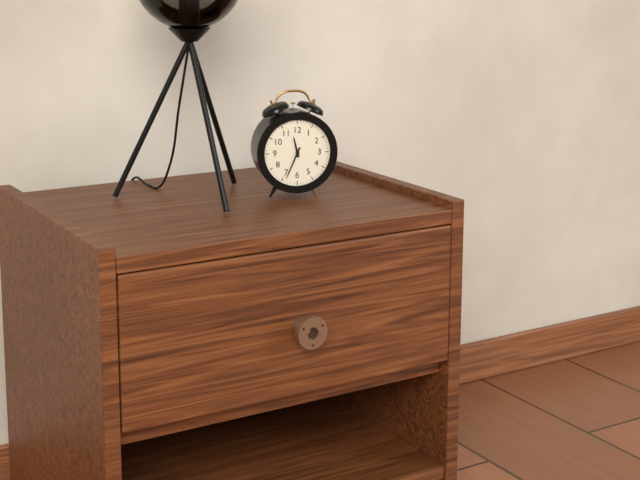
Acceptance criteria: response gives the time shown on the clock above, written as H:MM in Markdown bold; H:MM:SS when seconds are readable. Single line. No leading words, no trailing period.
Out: **11:34**
